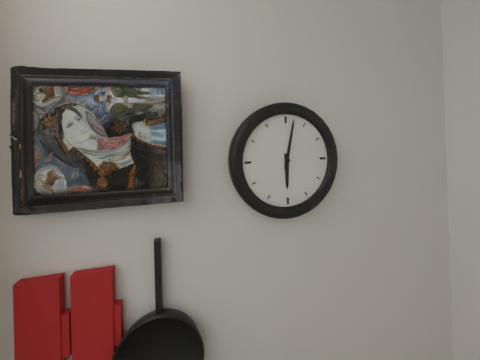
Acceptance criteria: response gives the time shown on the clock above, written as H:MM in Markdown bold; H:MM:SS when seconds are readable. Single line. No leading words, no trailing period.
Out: **6:02**
